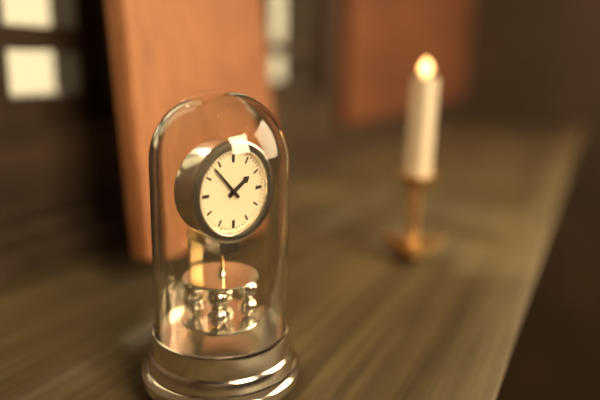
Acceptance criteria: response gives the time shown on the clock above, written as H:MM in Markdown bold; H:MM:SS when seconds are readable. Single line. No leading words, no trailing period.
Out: **1:53**
